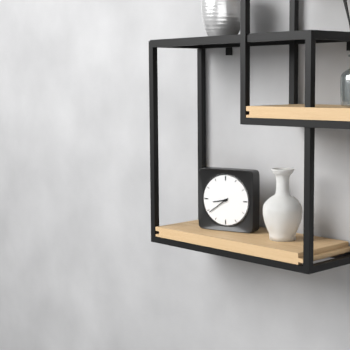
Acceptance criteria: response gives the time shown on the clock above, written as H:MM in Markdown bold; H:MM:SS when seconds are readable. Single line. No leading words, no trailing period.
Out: **8:39**
